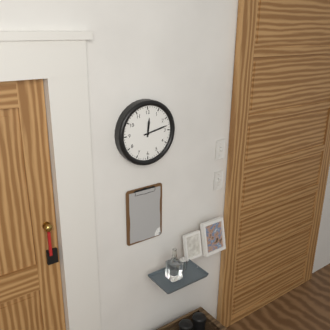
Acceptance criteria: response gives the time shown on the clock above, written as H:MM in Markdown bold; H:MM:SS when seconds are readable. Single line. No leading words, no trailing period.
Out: **12:13**
